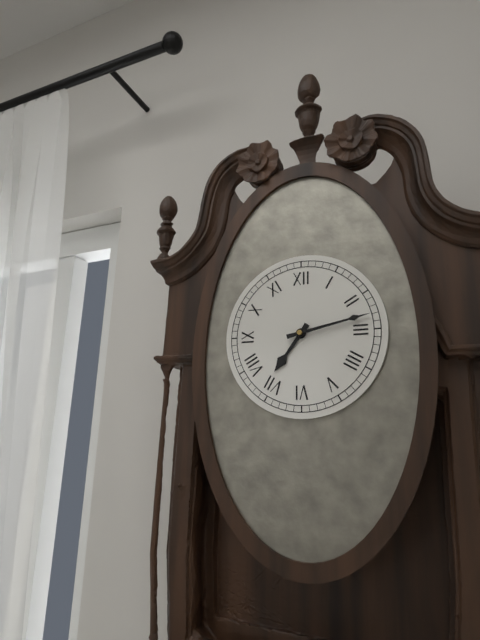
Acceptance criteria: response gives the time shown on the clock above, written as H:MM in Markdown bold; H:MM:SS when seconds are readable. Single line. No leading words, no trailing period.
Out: **7:13**
